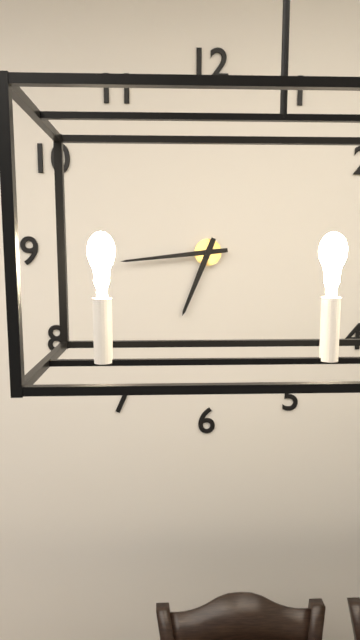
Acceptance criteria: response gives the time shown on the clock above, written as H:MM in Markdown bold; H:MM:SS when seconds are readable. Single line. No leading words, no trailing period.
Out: **6:44**
